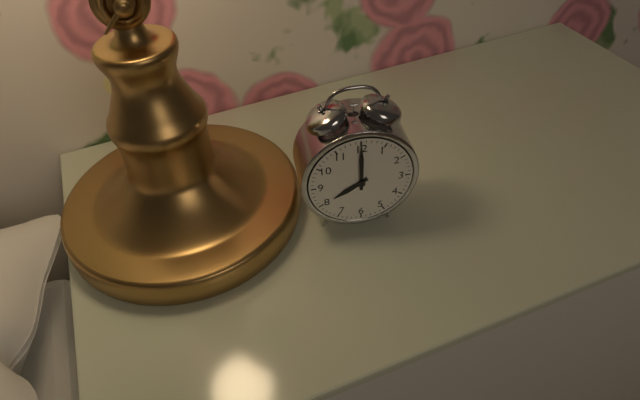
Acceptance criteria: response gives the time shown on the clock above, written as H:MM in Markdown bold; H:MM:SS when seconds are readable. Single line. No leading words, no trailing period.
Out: **8:00**
